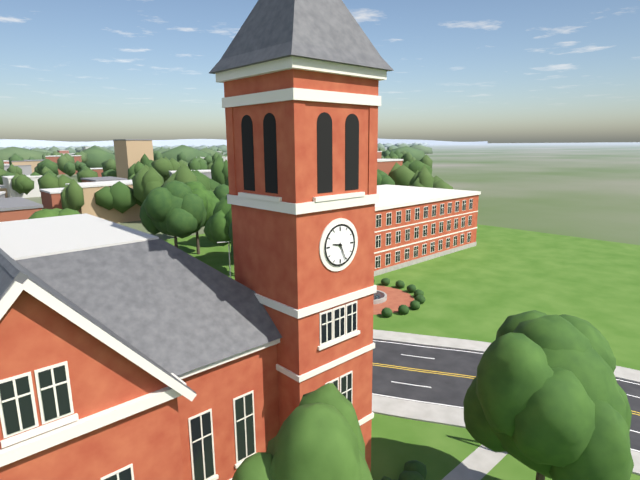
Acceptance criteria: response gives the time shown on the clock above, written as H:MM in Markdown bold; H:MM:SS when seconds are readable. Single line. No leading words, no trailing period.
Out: **9:26**
